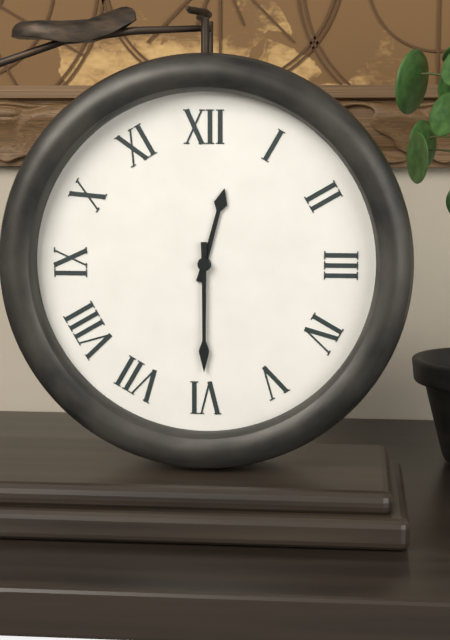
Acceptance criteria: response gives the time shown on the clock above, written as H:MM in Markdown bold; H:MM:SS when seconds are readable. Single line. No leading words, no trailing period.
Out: **12:30**
